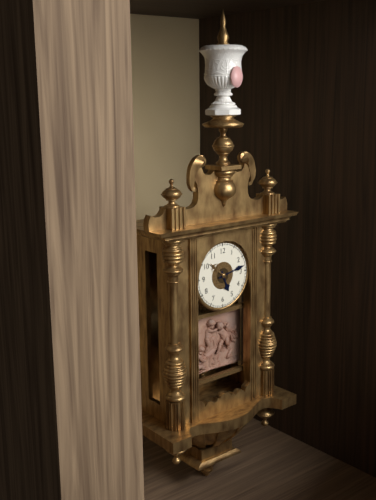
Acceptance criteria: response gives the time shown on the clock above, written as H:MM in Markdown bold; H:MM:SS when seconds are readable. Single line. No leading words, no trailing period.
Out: **5:13**
